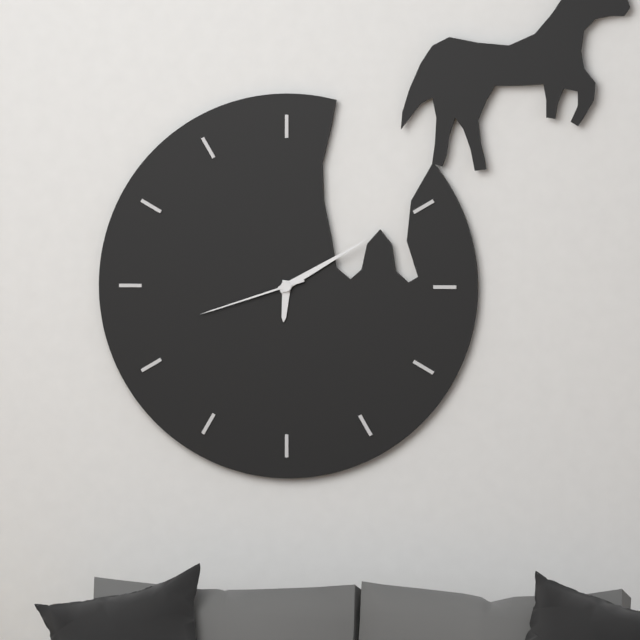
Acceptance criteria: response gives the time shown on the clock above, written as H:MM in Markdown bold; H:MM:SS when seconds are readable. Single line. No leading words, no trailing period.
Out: **6:10:42**
